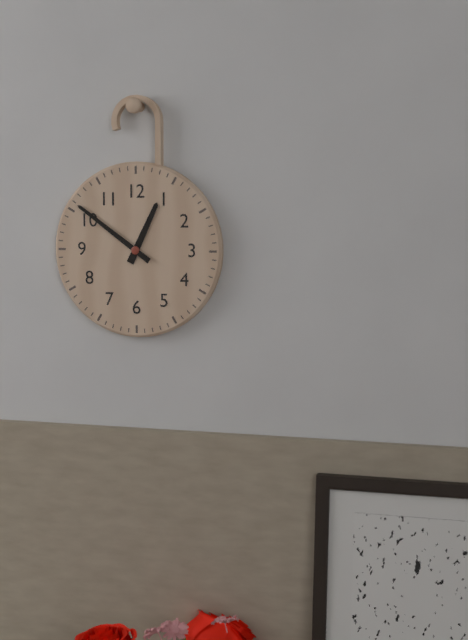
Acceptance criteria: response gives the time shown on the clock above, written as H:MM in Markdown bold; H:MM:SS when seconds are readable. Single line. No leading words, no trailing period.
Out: **12:51**
